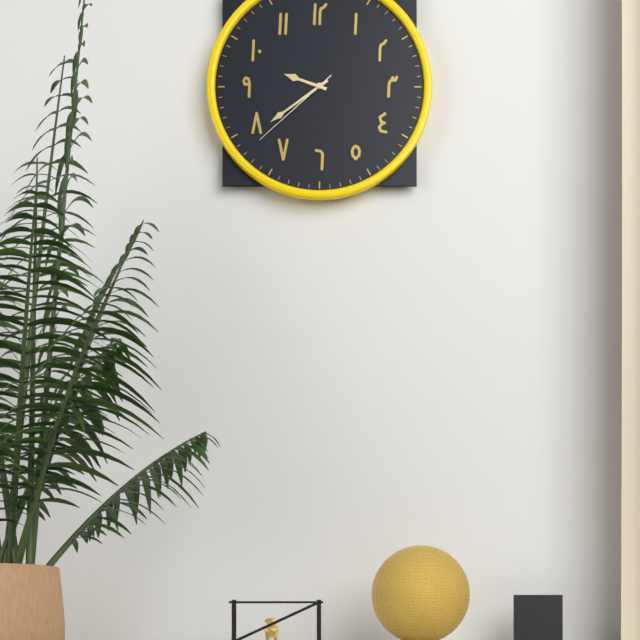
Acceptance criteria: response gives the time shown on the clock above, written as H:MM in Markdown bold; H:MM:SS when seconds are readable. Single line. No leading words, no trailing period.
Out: **9:39:38**
